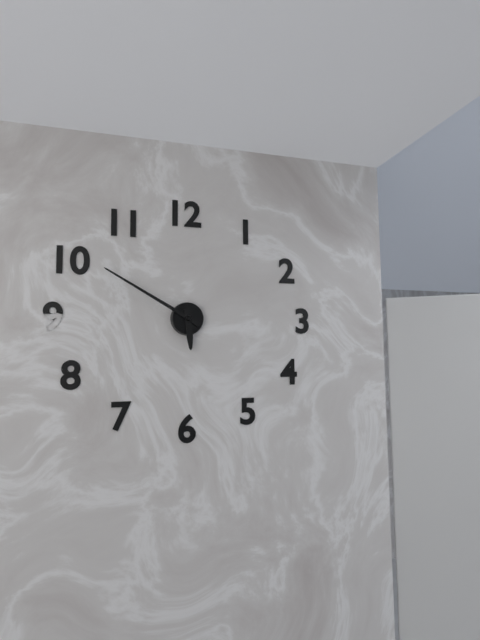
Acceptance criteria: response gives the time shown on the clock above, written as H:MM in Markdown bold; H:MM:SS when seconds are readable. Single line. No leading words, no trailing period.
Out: **5:50**
